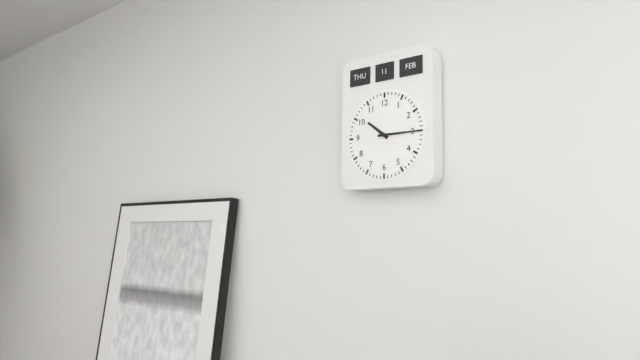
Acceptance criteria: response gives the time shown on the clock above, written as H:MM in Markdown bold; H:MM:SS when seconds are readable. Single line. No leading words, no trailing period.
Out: **10:15**
